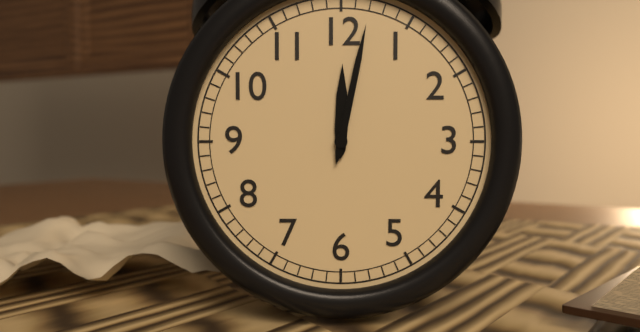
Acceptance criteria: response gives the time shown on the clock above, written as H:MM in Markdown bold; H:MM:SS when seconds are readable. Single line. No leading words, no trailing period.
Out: **12:02**
